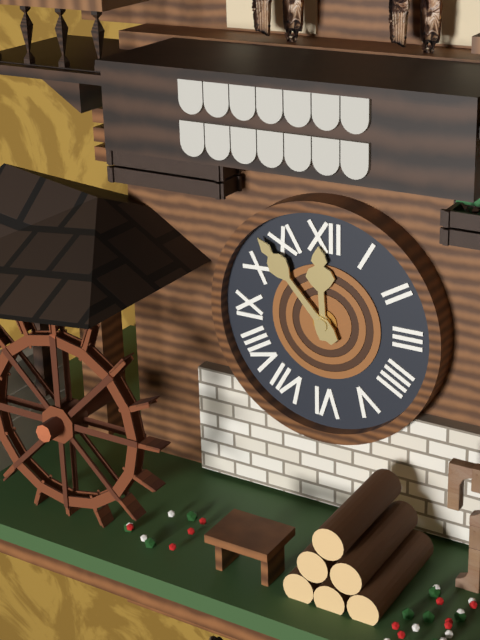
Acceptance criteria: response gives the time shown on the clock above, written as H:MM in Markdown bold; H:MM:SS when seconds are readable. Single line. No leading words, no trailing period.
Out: **11:53**
